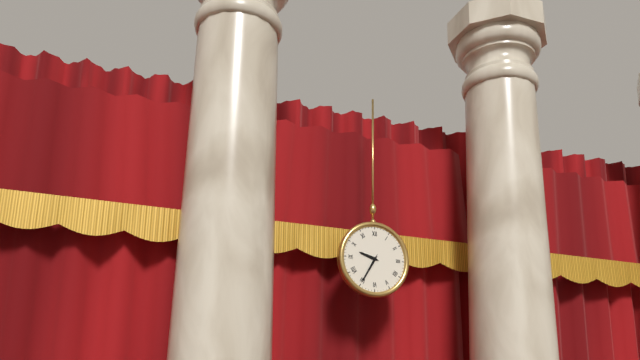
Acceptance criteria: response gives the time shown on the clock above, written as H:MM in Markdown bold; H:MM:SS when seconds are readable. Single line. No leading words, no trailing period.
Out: **9:35**
